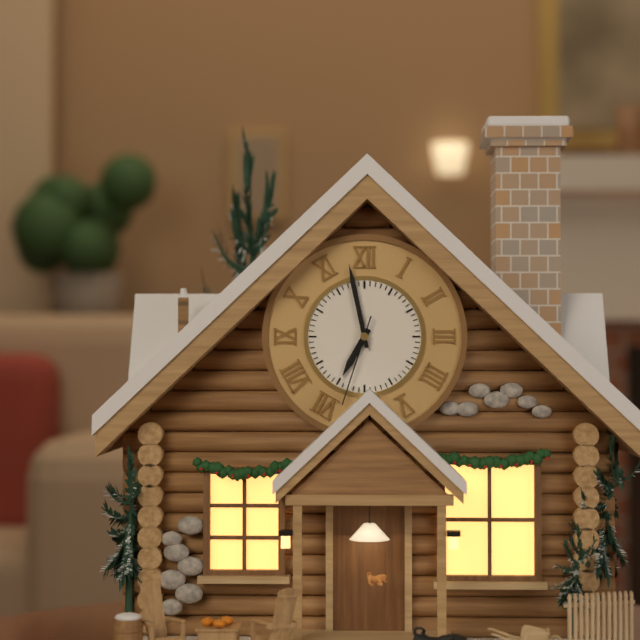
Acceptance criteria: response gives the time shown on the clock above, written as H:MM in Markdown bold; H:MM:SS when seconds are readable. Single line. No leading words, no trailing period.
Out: **6:58:33**
